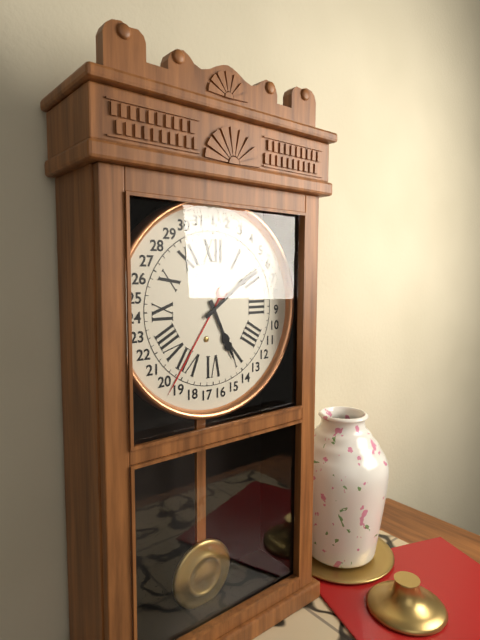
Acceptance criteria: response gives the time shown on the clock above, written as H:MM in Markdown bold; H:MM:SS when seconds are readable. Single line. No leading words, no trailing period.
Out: **5:09**
